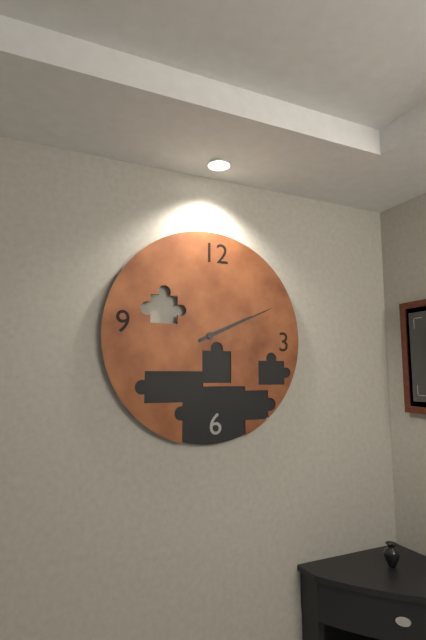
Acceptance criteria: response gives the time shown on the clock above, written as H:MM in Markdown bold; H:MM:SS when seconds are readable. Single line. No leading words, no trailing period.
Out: **2:11**
